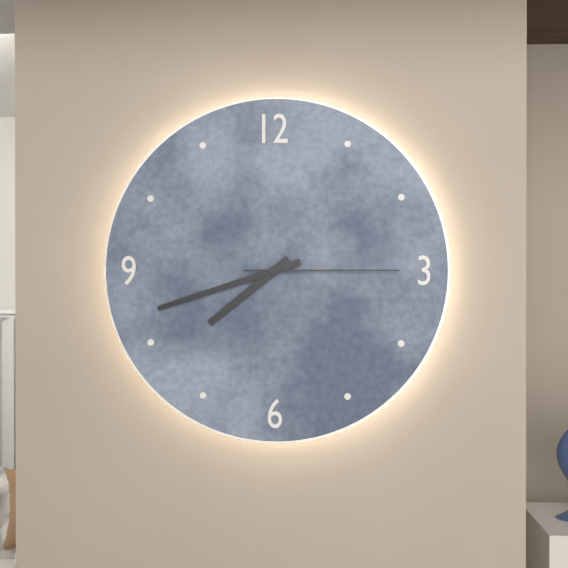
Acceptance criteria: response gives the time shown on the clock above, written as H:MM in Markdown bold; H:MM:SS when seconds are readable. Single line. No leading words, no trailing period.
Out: **7:42:15**
